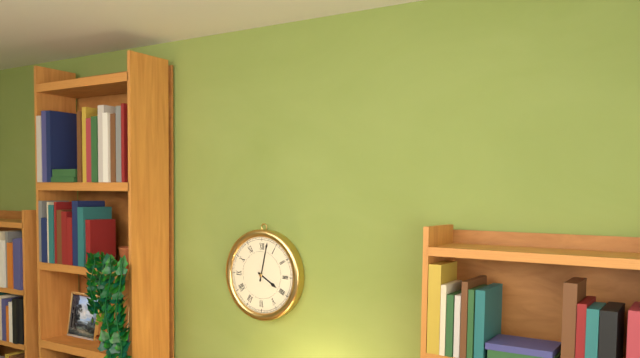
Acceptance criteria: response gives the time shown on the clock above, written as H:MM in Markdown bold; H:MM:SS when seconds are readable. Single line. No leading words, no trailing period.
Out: **4:02**
